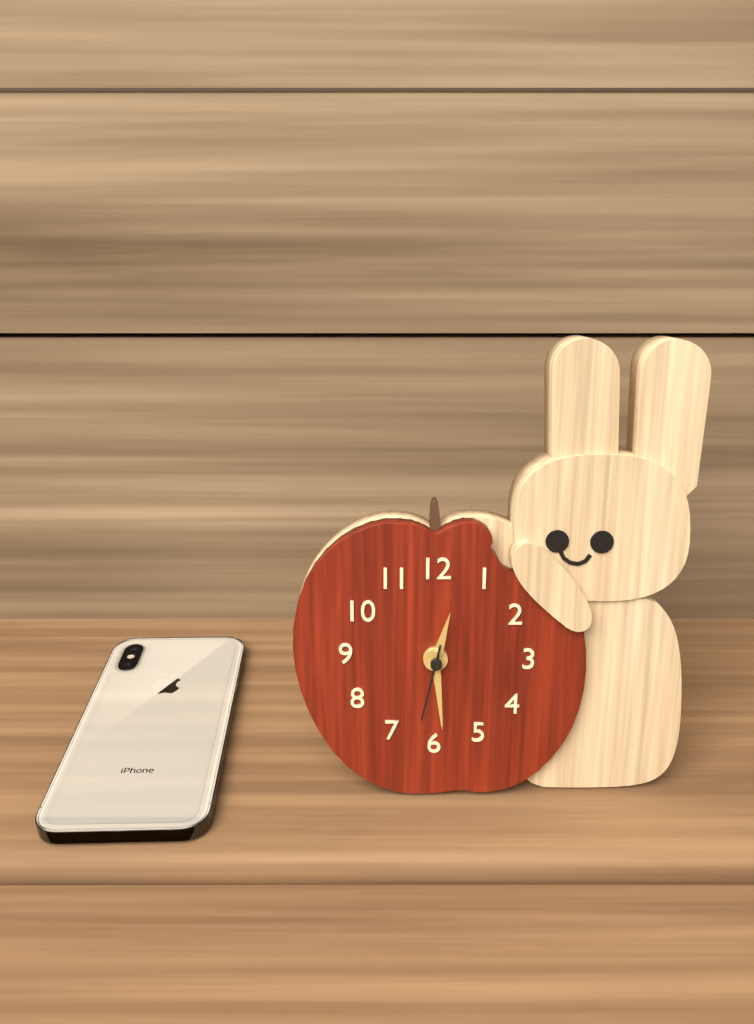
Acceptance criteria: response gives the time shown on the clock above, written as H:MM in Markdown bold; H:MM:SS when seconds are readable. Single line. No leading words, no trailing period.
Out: **12:29:32**
